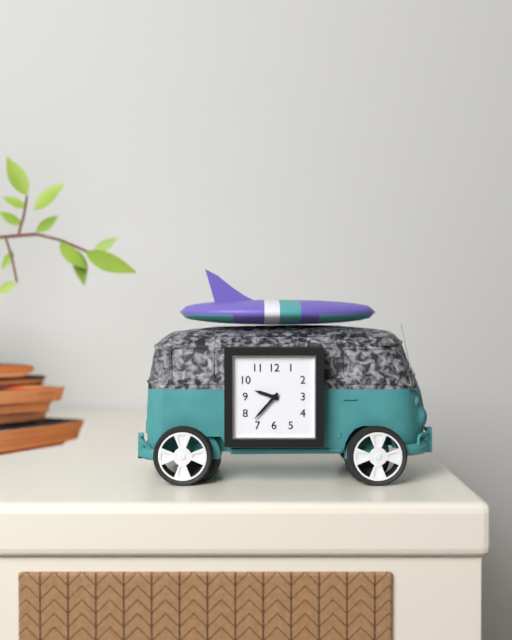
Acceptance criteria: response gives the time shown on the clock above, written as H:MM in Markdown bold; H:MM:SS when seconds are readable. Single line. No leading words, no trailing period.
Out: **9:37**
